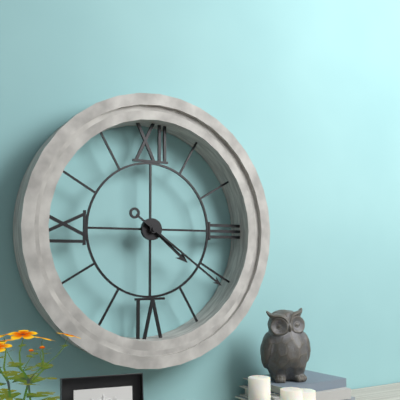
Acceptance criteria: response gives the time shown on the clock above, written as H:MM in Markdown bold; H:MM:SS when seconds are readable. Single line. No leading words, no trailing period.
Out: **4:21**
